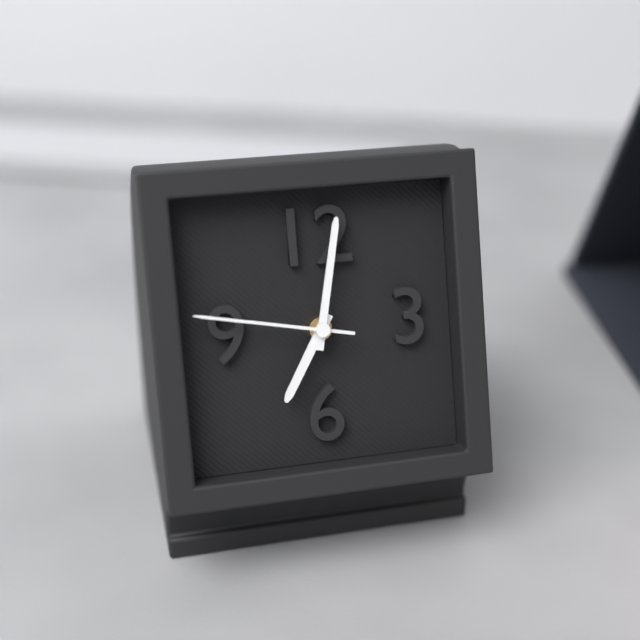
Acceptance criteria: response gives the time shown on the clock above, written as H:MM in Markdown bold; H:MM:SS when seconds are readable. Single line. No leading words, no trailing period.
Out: **7:02:47**
